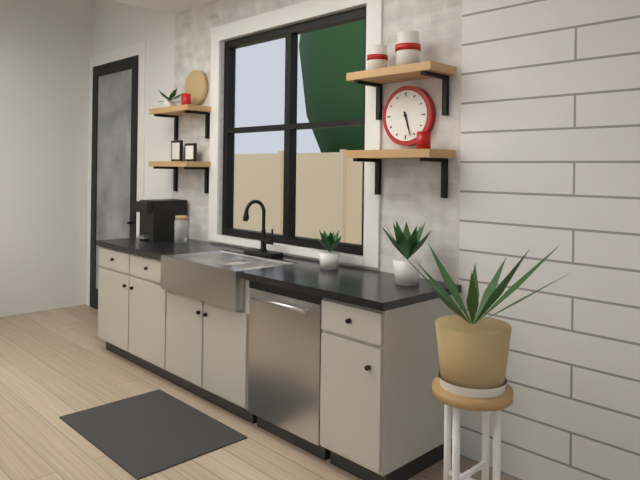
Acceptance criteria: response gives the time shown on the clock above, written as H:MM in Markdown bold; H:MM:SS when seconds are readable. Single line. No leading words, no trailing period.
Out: **5:27**
